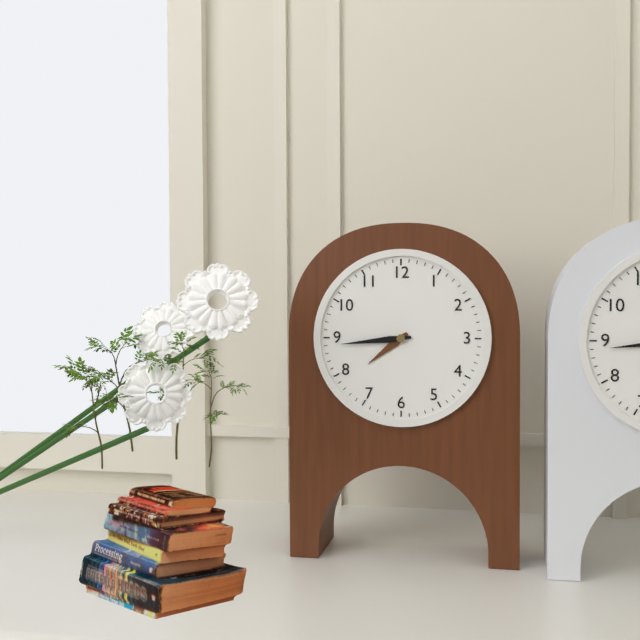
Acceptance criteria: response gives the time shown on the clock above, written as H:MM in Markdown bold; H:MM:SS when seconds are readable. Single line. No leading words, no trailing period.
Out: **7:44**
